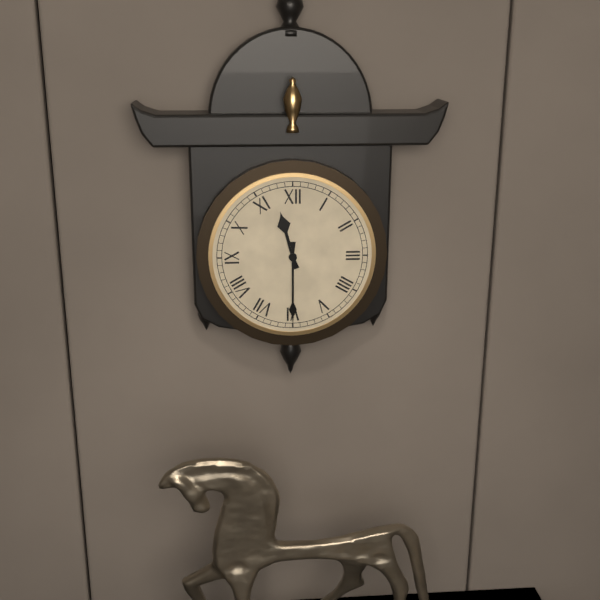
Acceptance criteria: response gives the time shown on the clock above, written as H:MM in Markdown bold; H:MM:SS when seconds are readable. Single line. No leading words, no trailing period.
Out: **11:30**
